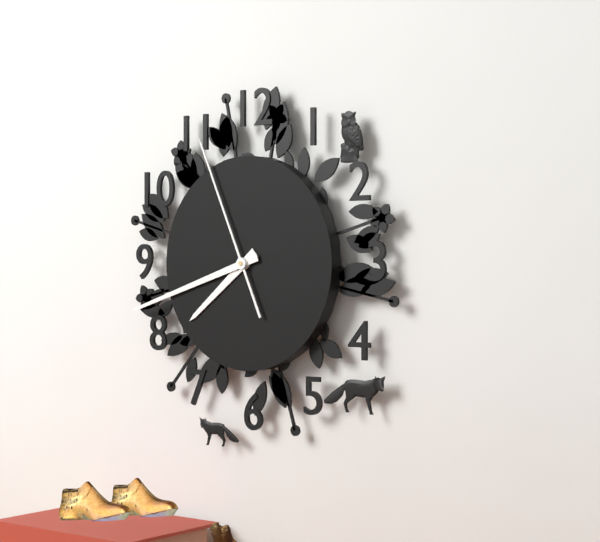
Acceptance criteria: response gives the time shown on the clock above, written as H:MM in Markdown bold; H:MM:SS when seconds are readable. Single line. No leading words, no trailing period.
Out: **7:42:56**
